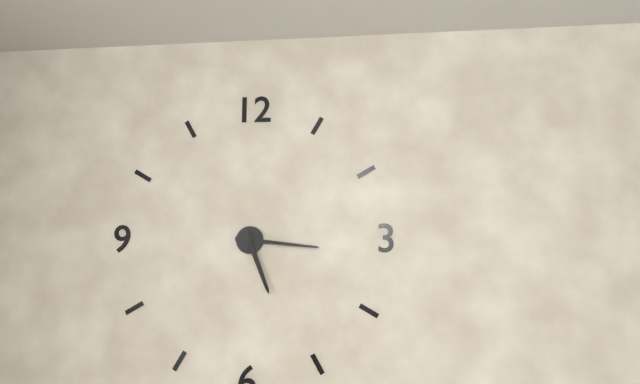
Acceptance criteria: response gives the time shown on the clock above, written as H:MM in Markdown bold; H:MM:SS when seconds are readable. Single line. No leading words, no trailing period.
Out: **5:16**
